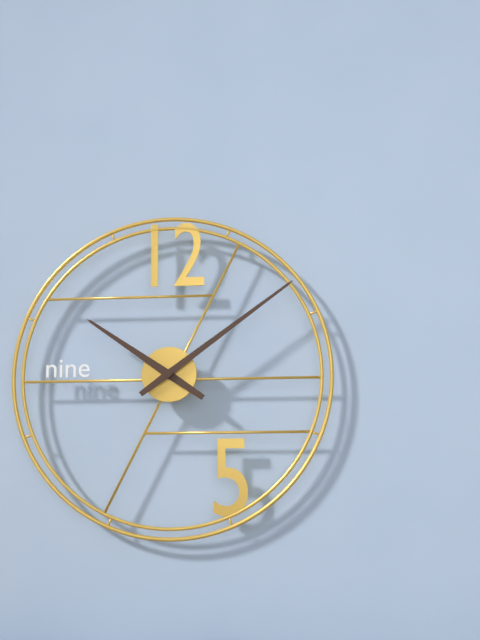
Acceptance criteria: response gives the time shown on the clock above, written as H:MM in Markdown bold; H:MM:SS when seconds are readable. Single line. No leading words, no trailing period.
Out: **10:09**
